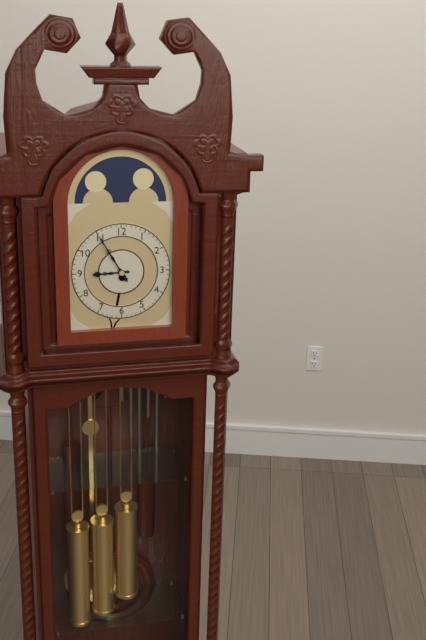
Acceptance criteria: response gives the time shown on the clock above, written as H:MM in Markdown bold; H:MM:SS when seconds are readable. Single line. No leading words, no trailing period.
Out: **8:55**
